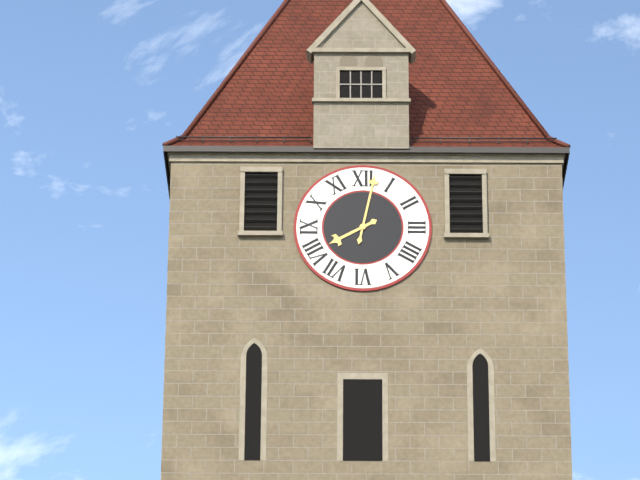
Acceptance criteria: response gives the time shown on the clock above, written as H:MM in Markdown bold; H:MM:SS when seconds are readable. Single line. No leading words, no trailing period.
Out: **8:02**
